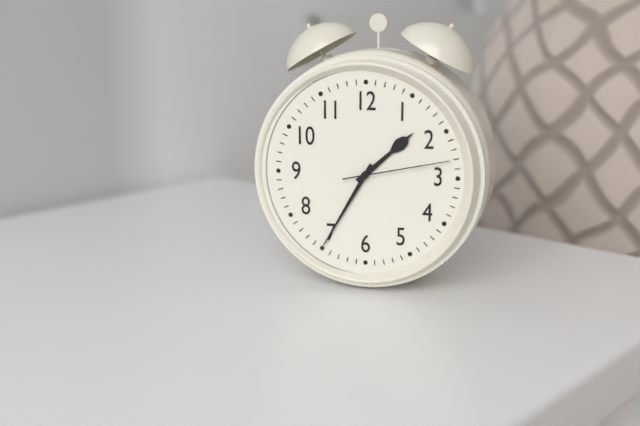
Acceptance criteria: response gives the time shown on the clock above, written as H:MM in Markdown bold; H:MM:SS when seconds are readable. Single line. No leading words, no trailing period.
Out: **1:35:13**
